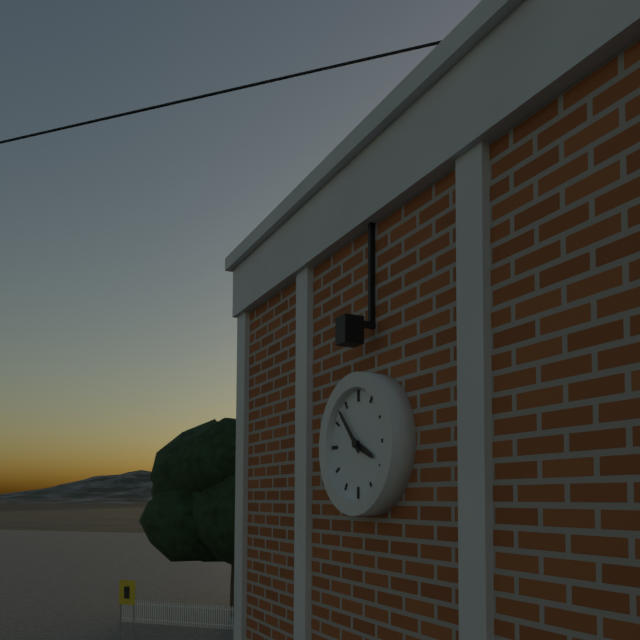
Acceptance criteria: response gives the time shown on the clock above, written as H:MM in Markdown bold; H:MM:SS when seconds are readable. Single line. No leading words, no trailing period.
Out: **3:53**
